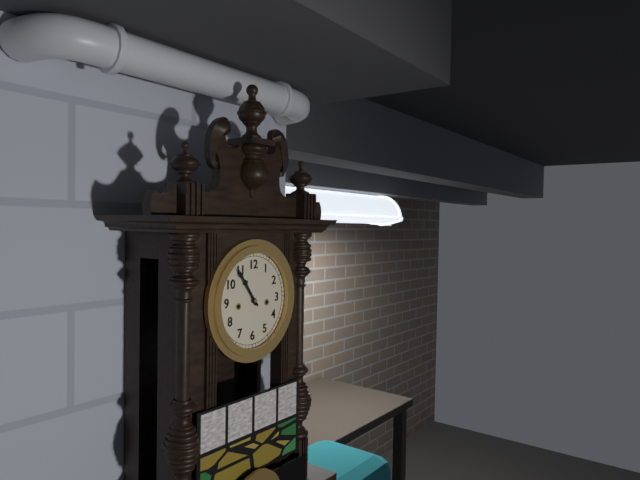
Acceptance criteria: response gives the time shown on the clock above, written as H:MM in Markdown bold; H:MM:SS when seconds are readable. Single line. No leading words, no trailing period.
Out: **10:54**
